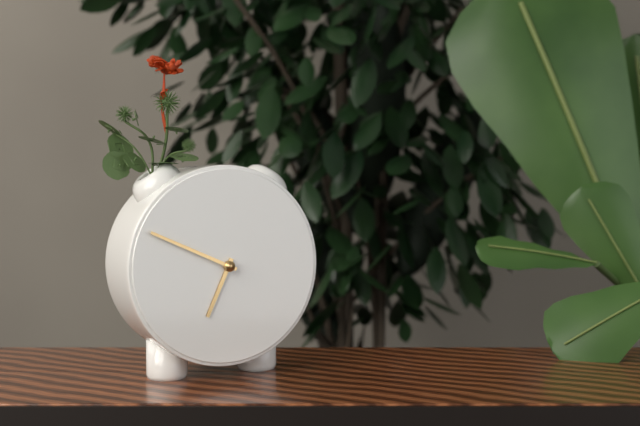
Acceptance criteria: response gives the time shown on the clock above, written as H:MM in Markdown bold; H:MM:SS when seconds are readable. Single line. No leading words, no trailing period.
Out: **6:49**
